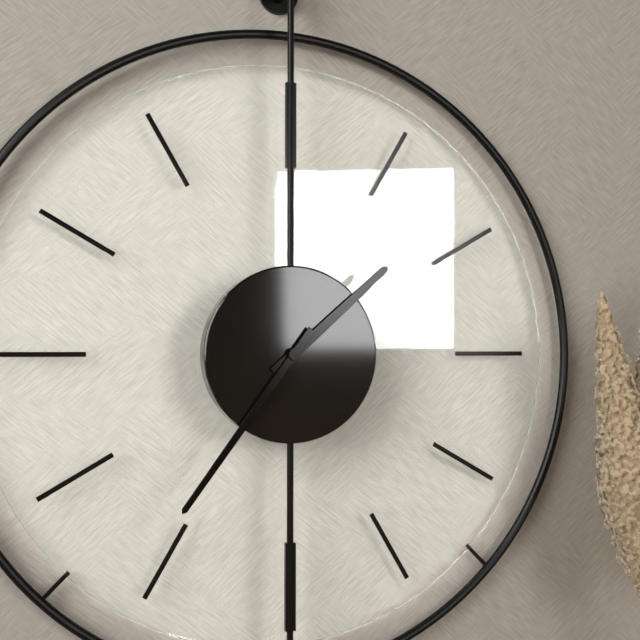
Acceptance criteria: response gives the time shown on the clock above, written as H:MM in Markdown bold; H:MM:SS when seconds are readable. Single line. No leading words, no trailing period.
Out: **1:36**
